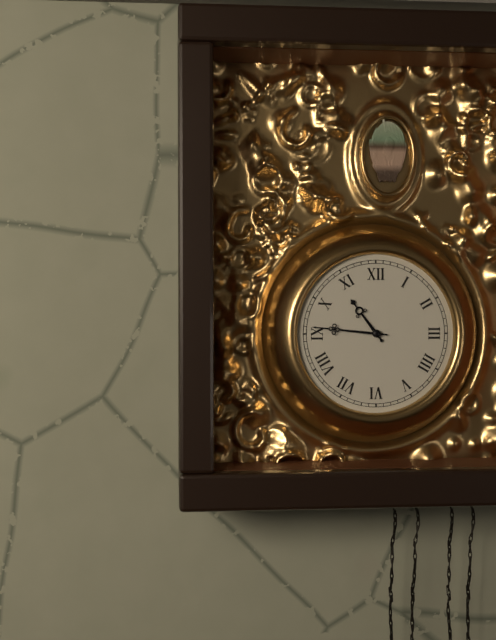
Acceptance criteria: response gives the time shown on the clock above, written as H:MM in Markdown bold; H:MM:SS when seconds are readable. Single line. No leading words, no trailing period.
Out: **10:46**
